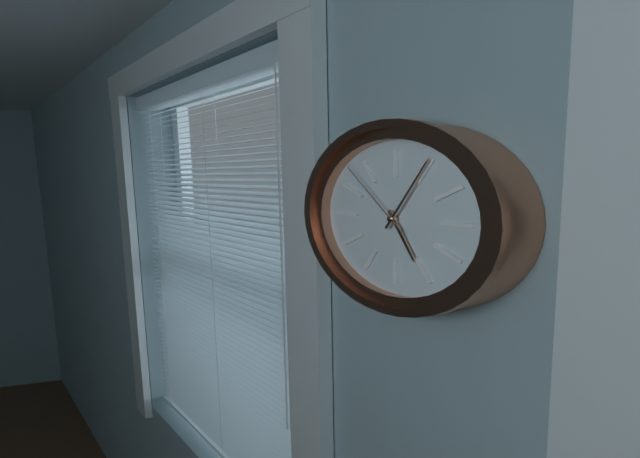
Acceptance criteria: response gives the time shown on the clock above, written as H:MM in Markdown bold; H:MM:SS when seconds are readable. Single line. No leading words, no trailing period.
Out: **5:05:53**
